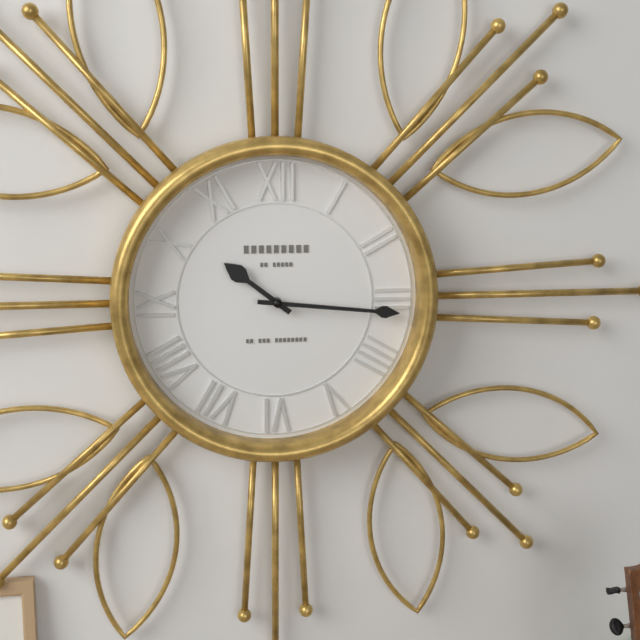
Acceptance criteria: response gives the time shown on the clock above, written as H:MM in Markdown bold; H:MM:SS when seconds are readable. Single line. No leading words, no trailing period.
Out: **10:16**
